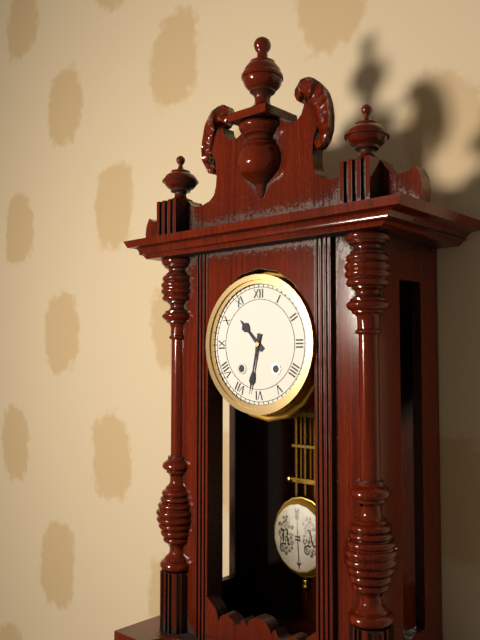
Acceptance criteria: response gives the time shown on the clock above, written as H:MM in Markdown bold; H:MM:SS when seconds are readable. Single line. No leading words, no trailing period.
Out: **10:32**
